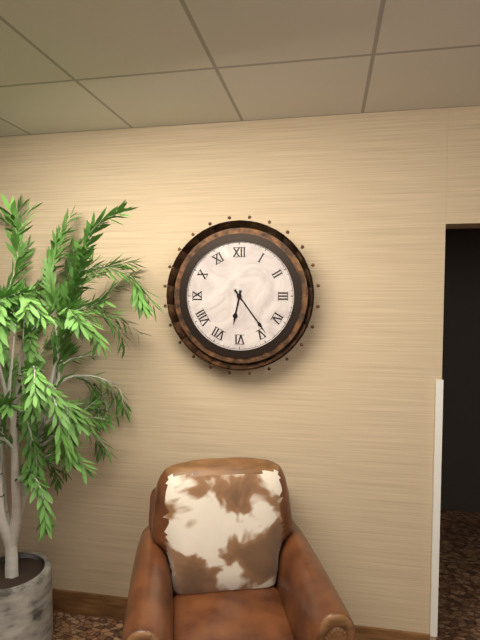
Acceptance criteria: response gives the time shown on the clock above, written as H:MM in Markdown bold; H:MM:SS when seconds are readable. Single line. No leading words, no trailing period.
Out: **6:24**
